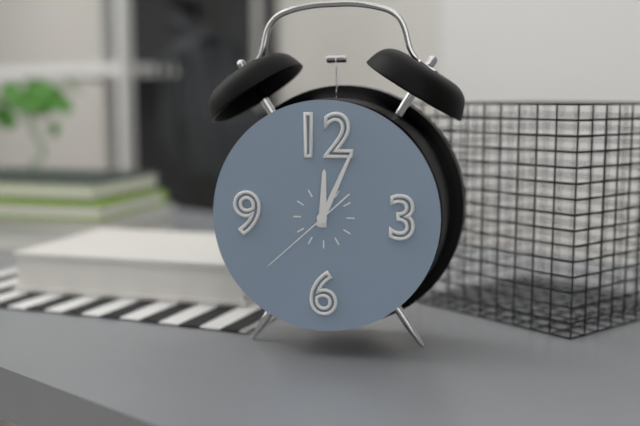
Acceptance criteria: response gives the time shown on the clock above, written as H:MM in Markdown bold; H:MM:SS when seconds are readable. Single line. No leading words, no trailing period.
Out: **12:04:38**
